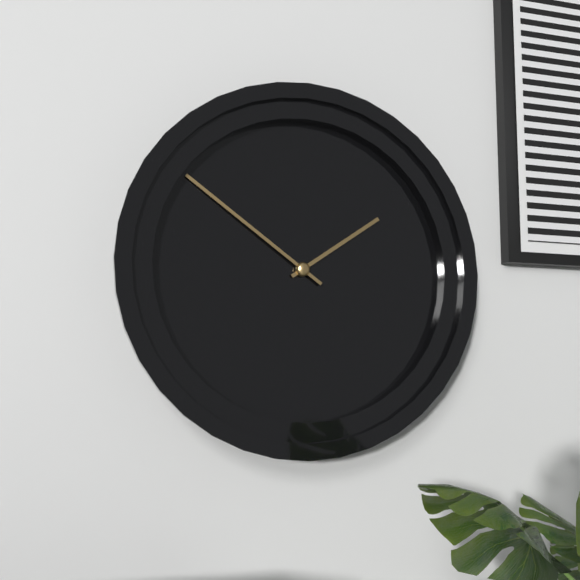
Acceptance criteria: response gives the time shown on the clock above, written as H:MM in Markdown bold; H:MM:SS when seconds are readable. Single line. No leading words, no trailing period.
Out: **1:51**
